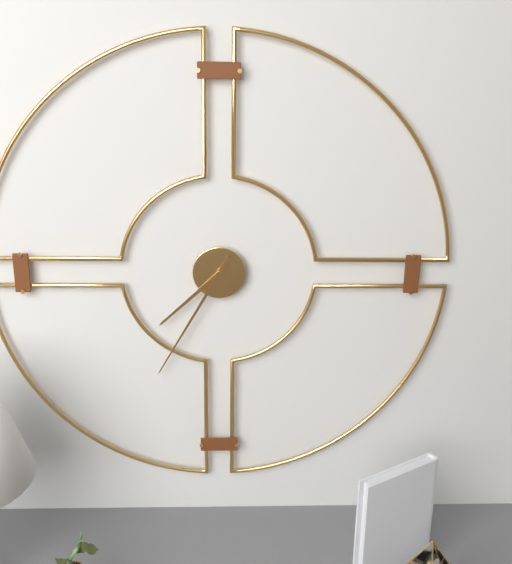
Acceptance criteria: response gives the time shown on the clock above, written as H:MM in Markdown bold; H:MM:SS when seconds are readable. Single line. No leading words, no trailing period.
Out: **7:35**
